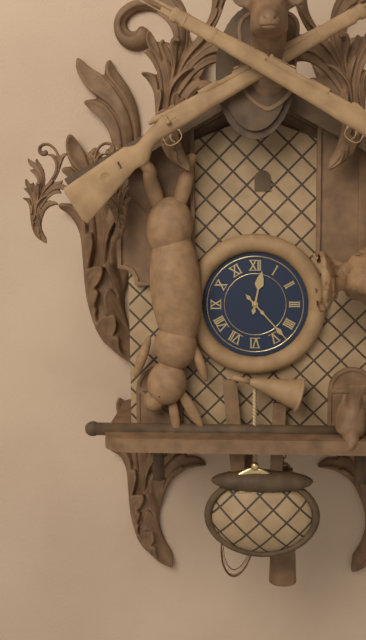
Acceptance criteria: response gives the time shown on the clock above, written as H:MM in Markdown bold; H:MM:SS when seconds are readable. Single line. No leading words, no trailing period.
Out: **12:23**
